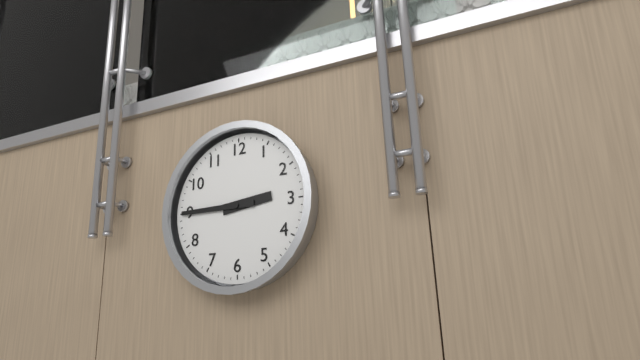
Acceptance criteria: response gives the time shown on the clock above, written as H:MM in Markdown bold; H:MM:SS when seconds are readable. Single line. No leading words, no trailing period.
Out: **2:45**
